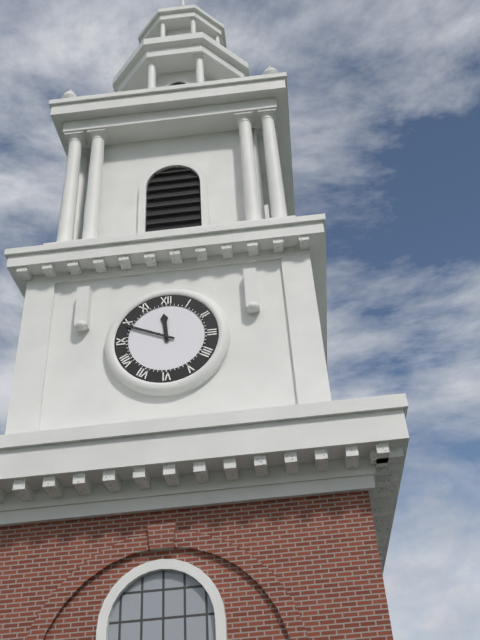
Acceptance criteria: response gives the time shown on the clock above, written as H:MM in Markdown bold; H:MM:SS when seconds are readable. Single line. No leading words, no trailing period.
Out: **11:49**
